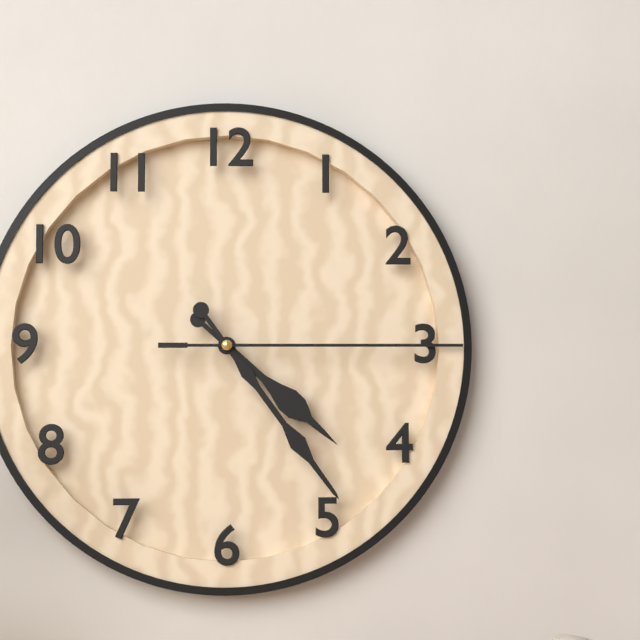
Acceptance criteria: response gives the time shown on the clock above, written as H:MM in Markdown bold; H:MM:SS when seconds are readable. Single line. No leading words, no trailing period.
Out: **4:24:15**
